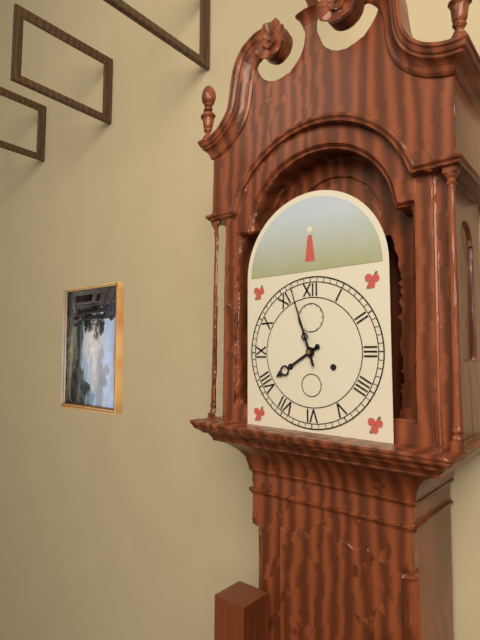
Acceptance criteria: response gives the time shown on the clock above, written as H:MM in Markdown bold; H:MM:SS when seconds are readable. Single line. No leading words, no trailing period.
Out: **7:57**
